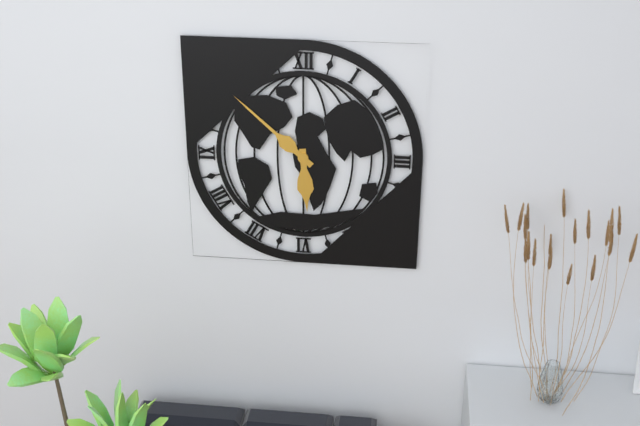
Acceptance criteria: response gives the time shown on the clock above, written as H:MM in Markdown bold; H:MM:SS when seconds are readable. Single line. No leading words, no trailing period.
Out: **5:52**
